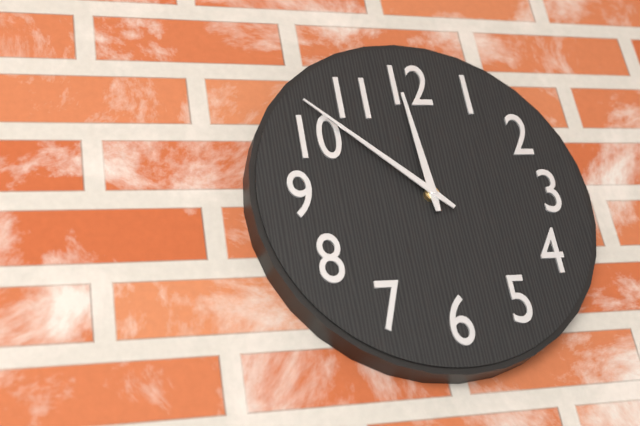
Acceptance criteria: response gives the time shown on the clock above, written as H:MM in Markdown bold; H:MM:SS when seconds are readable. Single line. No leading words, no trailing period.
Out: **11:52**
